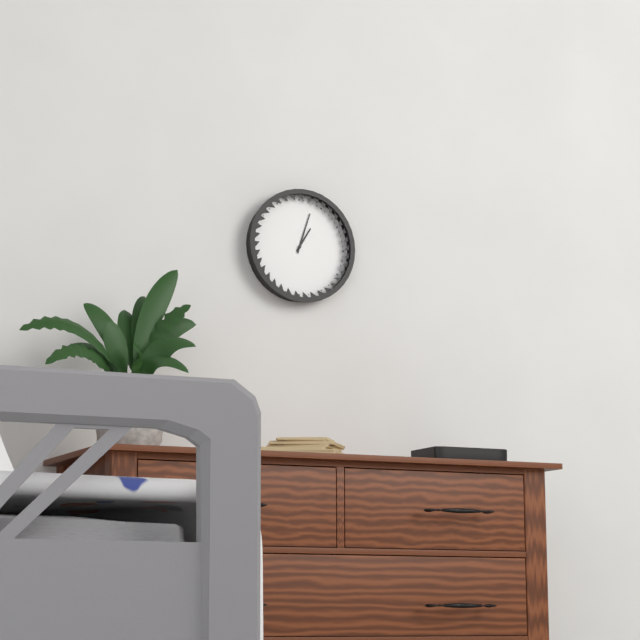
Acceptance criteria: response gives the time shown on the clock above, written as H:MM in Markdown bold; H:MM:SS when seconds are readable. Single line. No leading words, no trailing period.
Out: **1:03**
